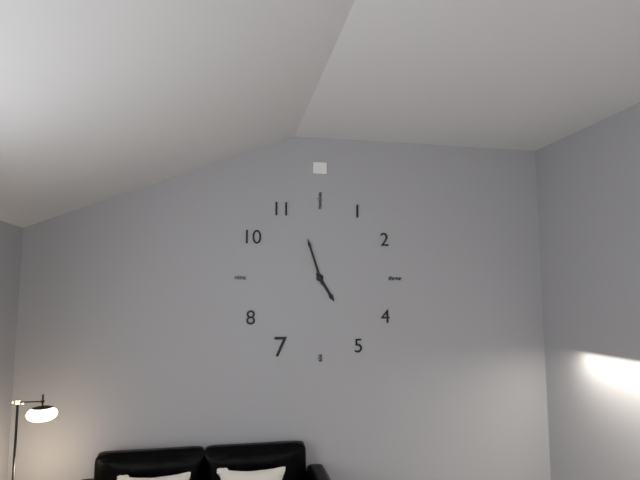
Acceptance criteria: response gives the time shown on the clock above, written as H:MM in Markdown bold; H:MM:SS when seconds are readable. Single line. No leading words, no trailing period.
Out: **4:57**
